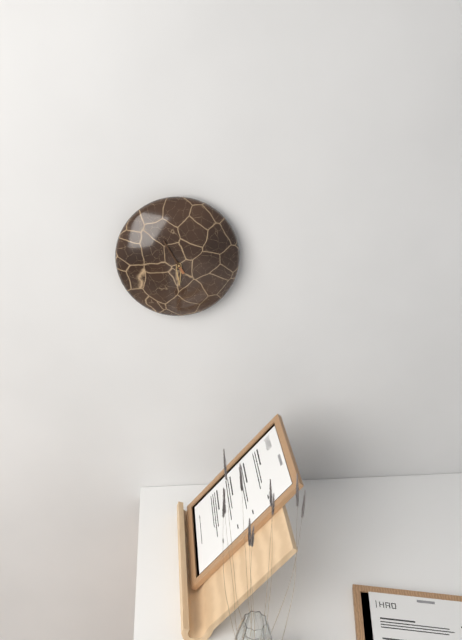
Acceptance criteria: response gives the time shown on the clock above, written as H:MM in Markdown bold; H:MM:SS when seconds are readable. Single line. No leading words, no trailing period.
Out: **5:55**
